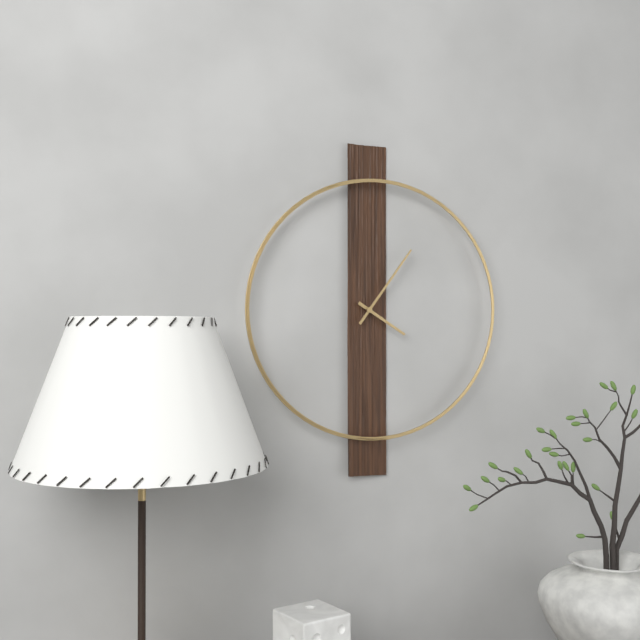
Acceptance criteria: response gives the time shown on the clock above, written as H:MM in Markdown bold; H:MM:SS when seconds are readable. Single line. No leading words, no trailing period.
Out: **4:06**
